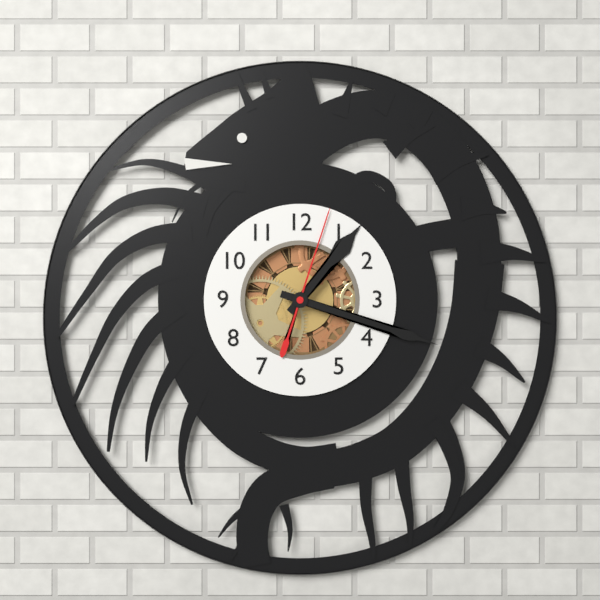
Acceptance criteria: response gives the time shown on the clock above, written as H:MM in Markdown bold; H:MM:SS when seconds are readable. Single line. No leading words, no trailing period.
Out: **1:18:03**
